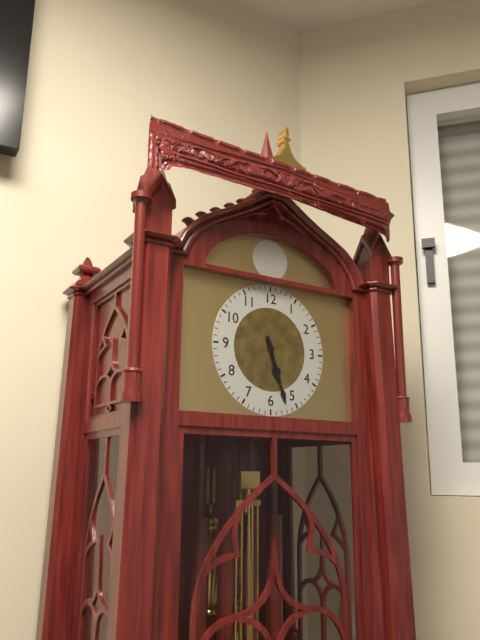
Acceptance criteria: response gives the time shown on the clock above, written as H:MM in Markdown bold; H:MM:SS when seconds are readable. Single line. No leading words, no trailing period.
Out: **5:27**
